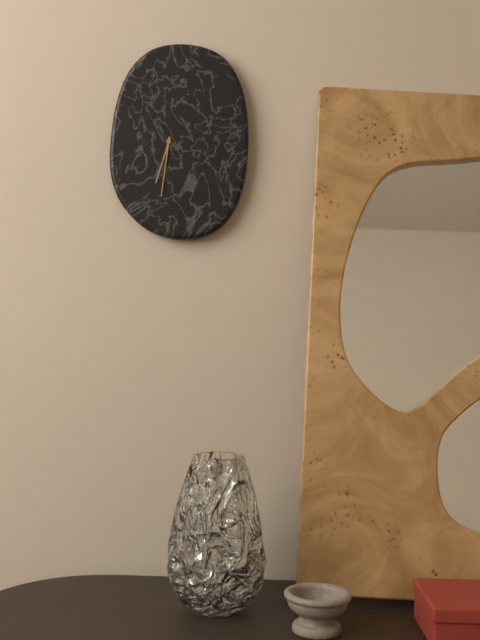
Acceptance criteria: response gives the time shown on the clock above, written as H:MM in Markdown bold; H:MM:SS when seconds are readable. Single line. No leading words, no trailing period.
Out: **6:31**
